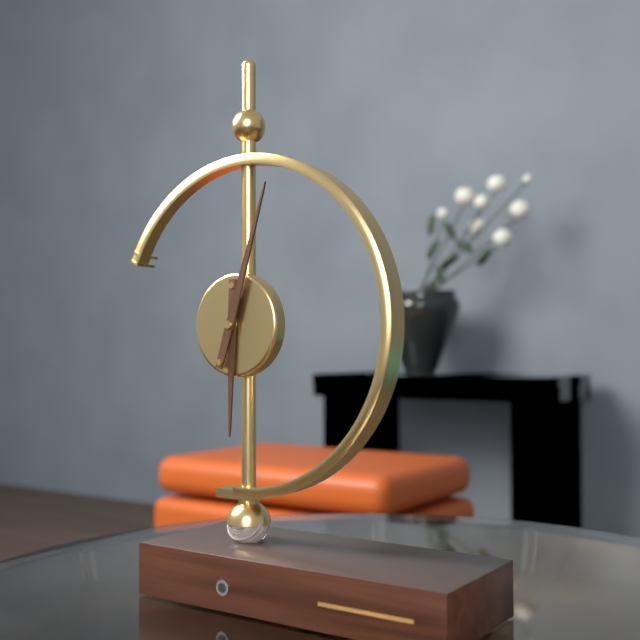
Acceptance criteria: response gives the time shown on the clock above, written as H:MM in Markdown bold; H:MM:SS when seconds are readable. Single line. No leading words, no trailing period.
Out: **6:03**
